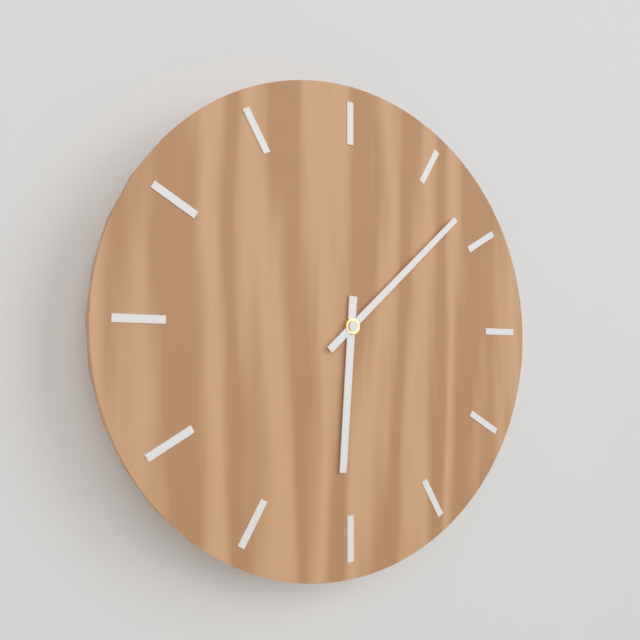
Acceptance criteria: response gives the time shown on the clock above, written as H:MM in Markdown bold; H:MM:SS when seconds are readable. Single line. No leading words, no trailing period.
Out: **6:08**
